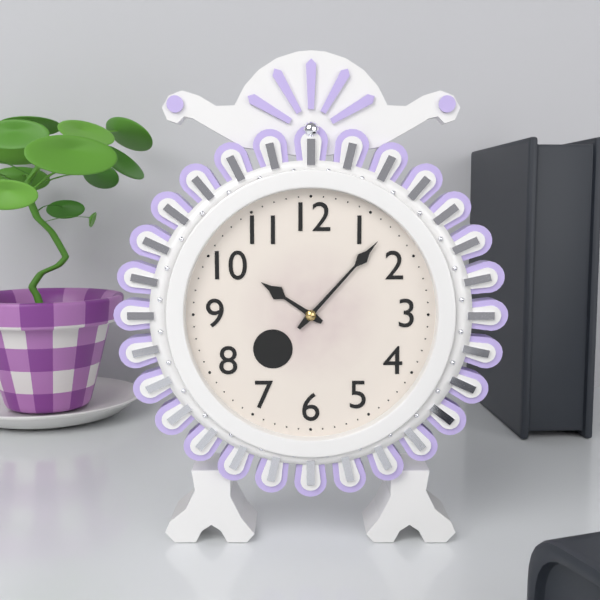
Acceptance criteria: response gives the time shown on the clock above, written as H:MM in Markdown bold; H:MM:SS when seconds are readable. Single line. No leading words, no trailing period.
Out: **10:07**
